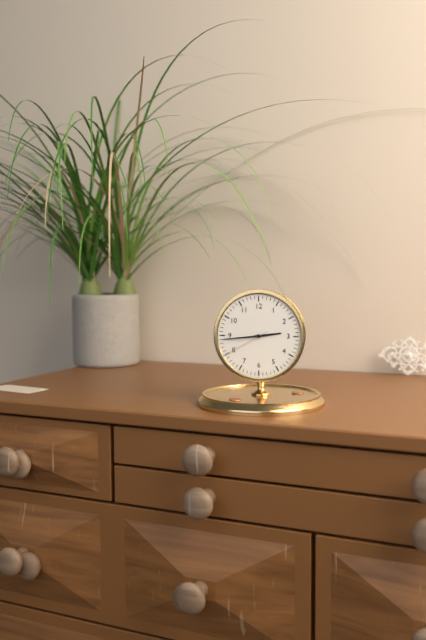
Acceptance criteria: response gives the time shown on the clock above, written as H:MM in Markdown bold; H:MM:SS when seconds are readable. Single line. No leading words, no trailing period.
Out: **2:44**
